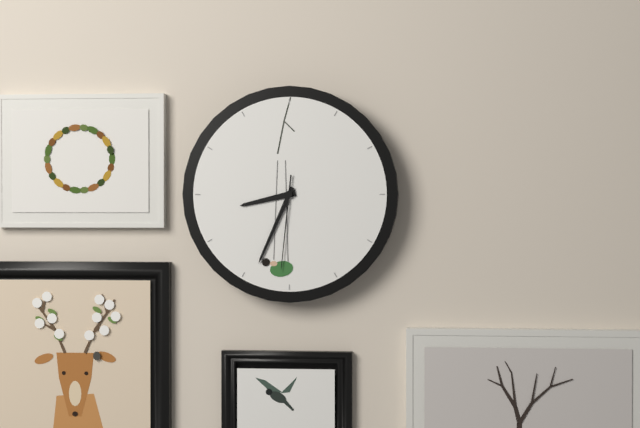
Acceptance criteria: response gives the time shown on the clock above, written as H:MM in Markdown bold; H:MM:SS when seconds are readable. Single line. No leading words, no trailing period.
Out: **8:34:31**
